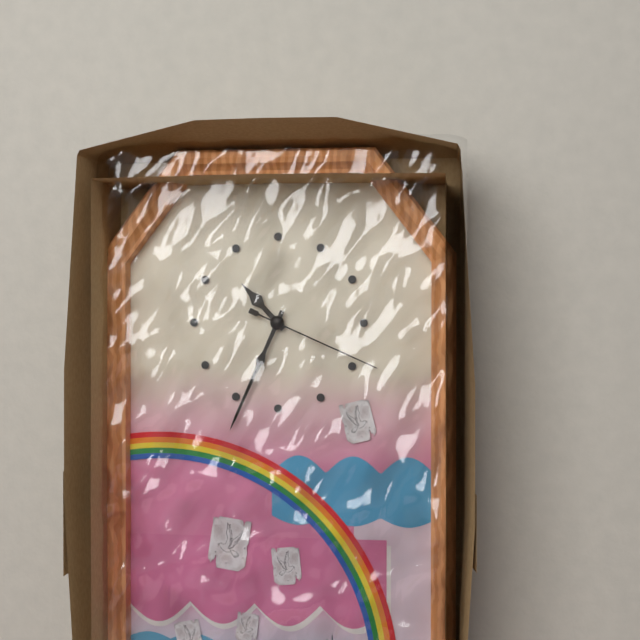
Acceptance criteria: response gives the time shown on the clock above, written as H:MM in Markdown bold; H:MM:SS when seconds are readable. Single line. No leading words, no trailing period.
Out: **10:34:19**
